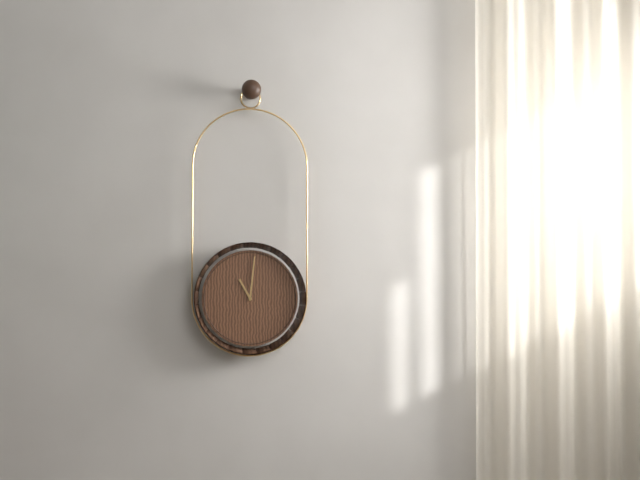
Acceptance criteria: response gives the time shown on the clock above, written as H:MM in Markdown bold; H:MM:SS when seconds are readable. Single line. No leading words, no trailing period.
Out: **11:01**
